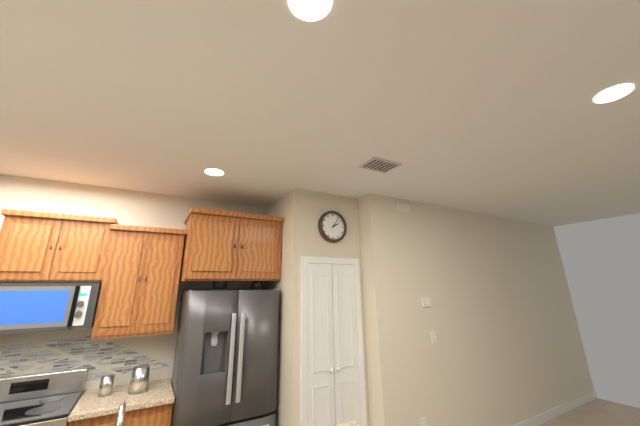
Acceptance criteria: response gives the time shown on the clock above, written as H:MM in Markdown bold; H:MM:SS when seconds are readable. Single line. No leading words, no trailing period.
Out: **2:06**
